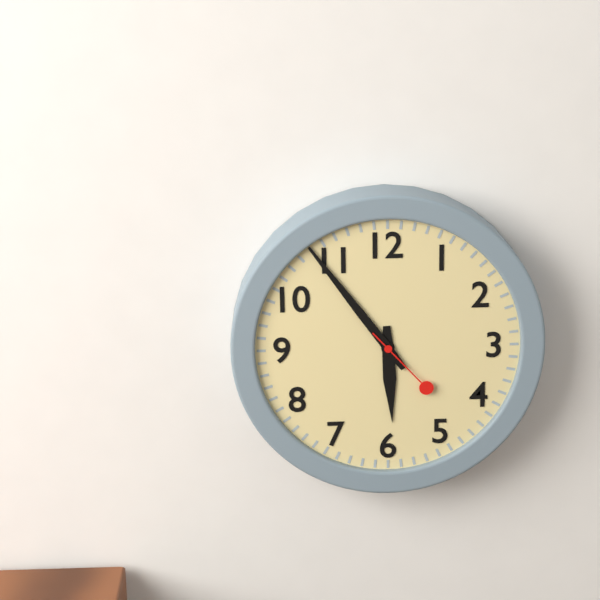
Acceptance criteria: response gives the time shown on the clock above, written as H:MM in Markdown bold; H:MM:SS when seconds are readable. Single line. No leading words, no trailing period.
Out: **5:54:23**
